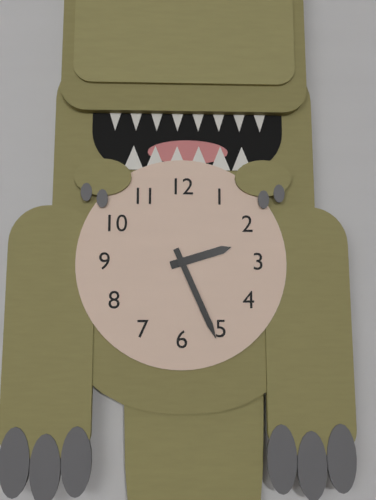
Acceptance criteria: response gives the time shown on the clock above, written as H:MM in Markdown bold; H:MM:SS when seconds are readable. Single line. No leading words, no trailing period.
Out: **2:26**
